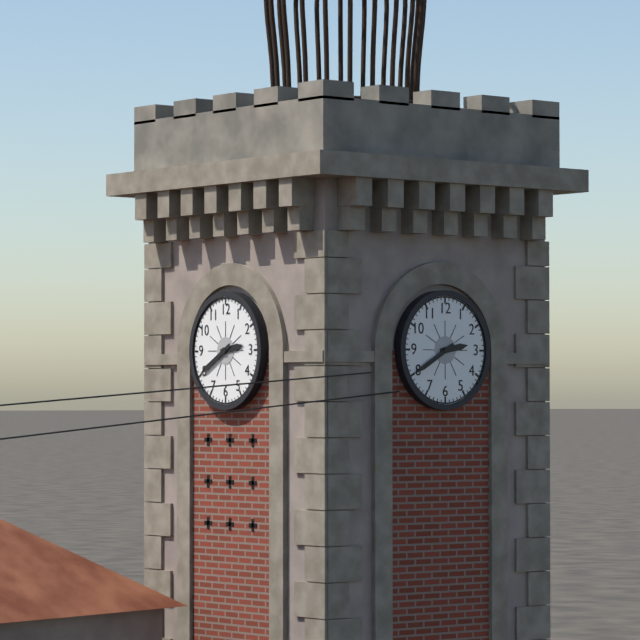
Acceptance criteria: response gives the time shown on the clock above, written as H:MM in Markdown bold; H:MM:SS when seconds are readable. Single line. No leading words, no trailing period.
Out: **2:40**
